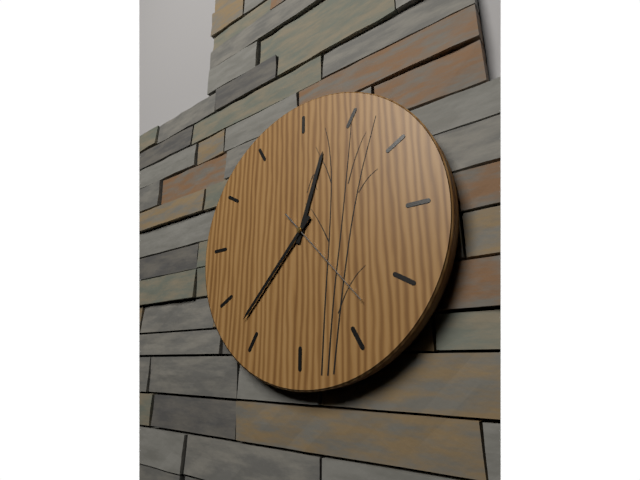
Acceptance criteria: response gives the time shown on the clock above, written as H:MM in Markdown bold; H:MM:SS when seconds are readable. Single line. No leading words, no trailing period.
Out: **12:37:23**
